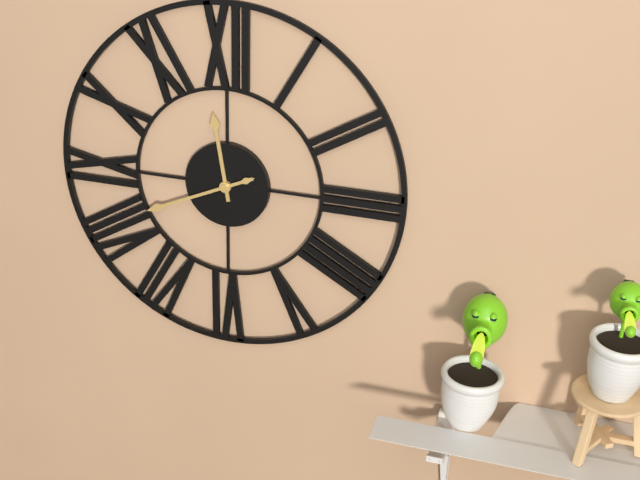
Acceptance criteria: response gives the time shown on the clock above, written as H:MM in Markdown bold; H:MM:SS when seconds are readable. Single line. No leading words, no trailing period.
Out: **11:41**
